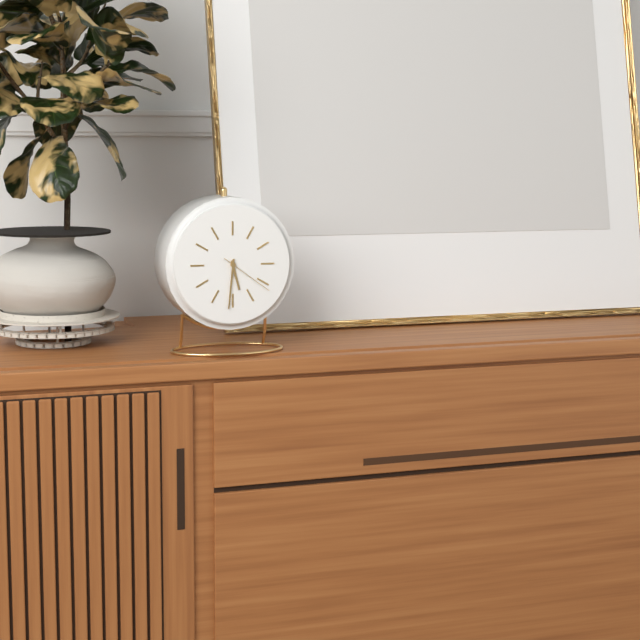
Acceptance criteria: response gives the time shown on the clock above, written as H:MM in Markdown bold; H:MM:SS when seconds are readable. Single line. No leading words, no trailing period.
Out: **5:31:21**
